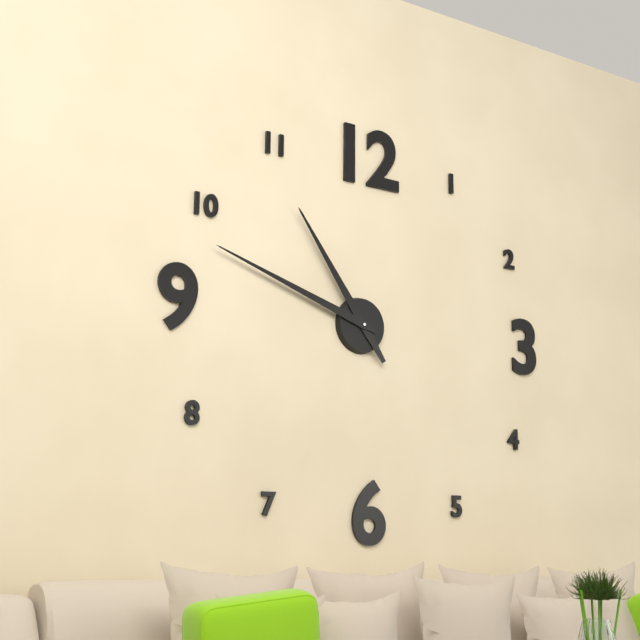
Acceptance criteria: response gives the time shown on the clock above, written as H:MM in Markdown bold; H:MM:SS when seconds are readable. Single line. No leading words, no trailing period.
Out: **10:48**
